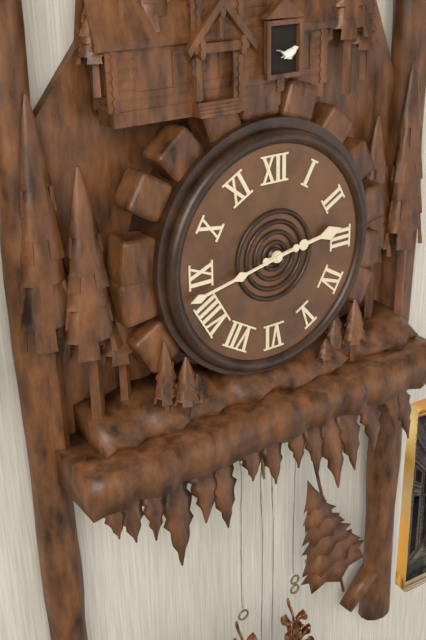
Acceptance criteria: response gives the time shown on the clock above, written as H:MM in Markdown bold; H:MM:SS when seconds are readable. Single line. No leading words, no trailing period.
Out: **2:43**
